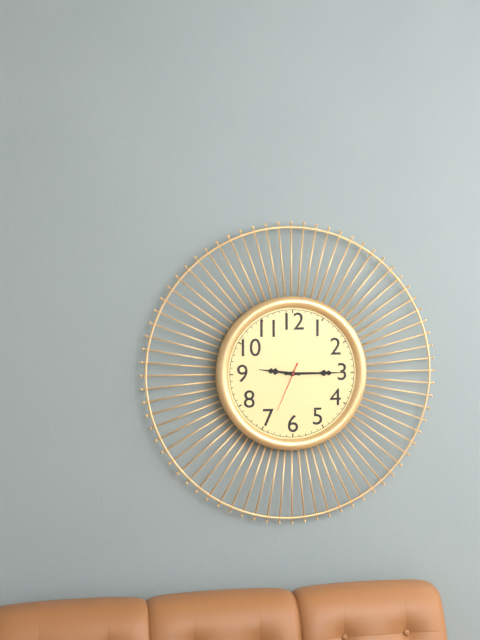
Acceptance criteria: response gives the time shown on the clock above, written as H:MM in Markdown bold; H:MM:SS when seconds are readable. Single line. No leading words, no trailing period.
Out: **9:15:34**
